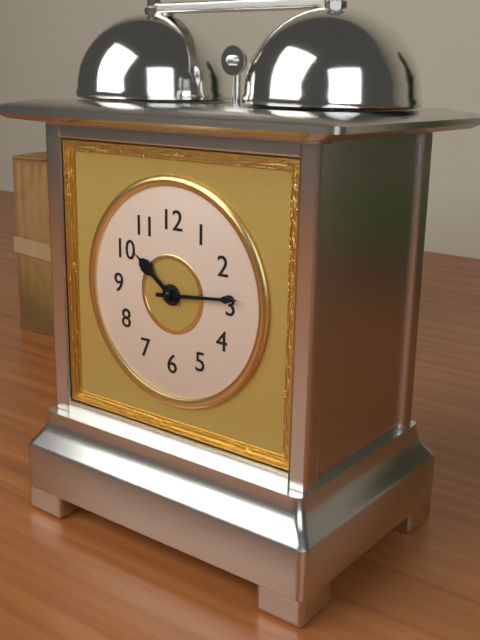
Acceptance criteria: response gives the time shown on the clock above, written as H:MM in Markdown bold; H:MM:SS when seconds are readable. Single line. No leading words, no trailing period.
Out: **10:14**
